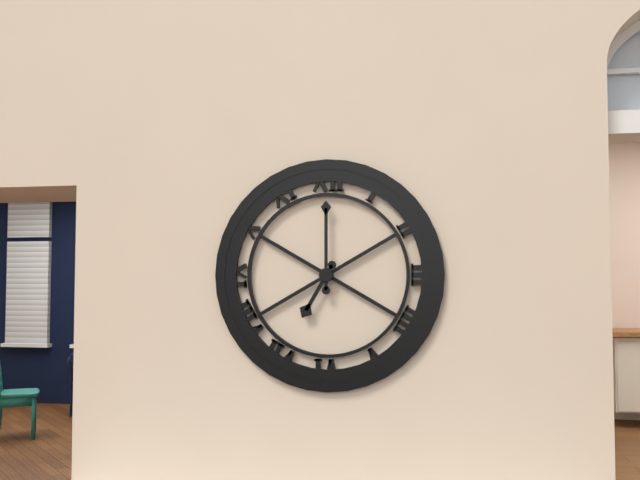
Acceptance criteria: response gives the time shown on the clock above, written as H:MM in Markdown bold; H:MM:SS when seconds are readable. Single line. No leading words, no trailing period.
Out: **7:00**
